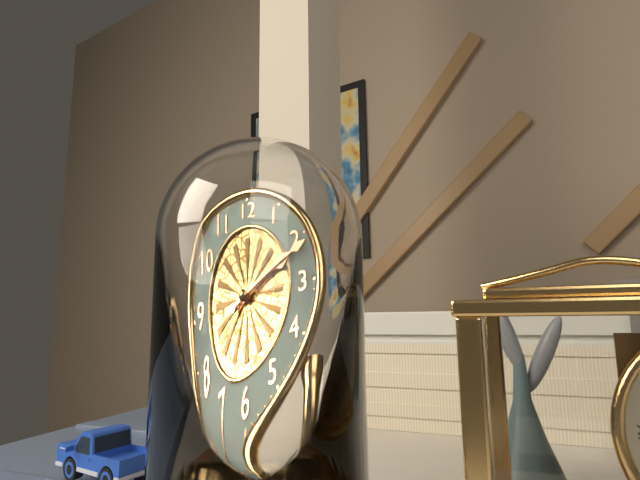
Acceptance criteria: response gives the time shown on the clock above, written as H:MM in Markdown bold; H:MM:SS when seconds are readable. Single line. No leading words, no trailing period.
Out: **2:11**
